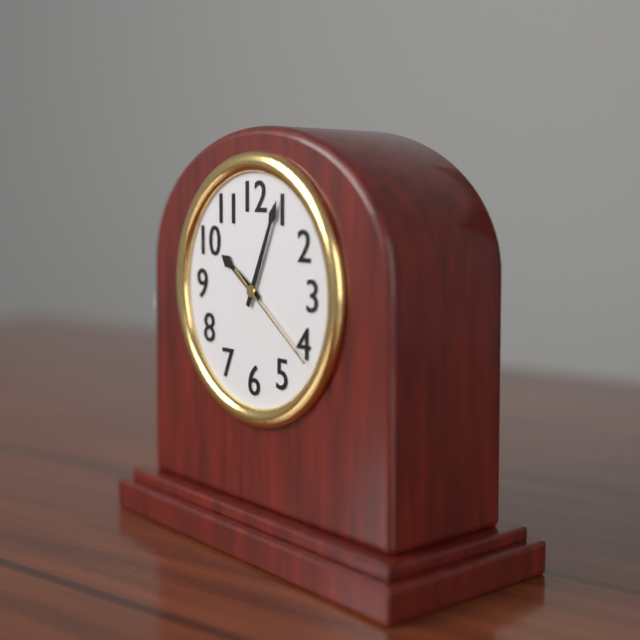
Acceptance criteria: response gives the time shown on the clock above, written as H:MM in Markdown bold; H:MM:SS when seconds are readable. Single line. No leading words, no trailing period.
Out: **10:04:21**
